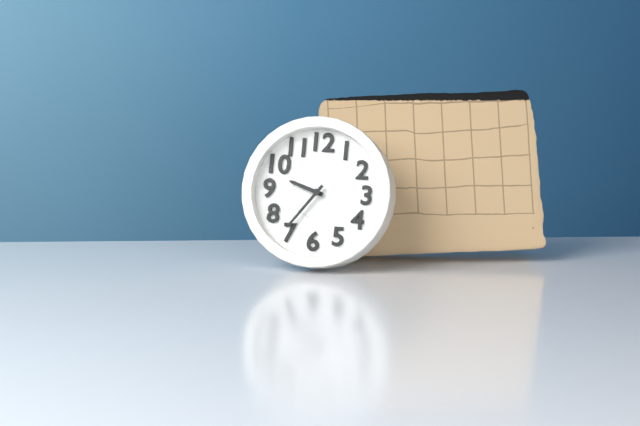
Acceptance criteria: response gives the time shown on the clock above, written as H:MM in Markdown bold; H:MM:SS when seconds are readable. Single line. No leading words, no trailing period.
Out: **9:36**
